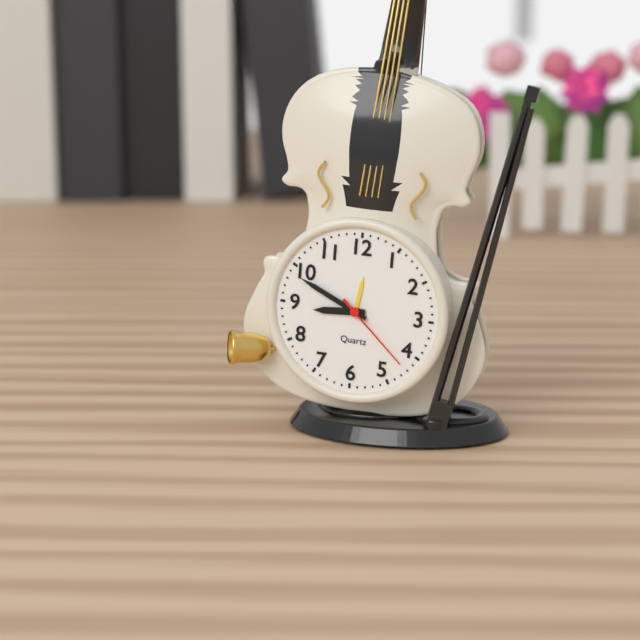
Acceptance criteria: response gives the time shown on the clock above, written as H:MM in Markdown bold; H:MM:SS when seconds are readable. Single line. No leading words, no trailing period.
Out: **8:49:22**
